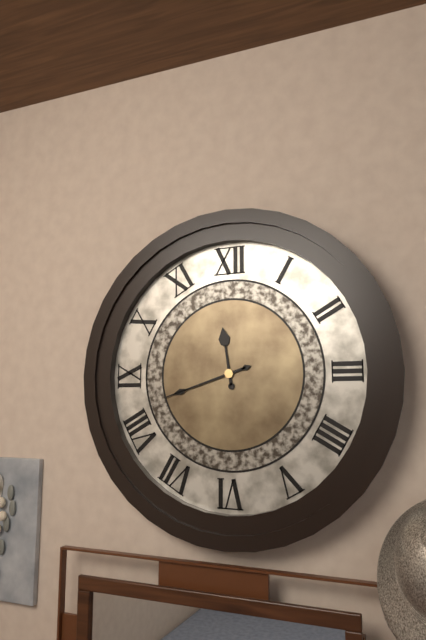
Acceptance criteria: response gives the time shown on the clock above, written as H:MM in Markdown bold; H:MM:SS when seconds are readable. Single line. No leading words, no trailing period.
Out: **11:42**
